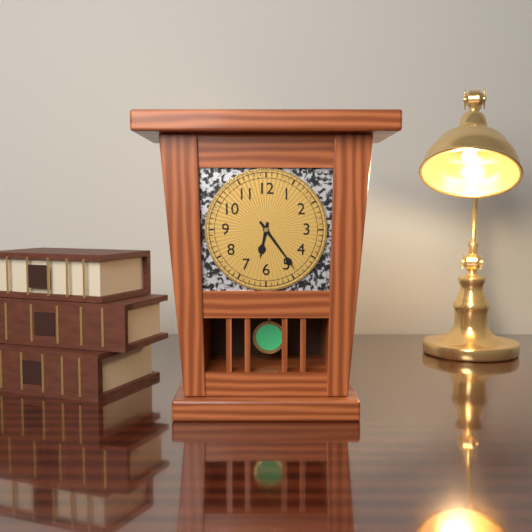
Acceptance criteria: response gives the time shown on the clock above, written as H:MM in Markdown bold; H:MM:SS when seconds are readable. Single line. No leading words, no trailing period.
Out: **6:24**
